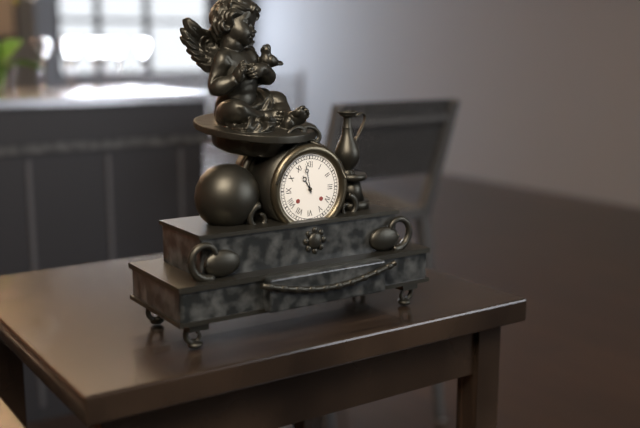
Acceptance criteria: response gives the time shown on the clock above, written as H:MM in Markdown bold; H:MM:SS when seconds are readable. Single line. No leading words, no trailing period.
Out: **10:58**
